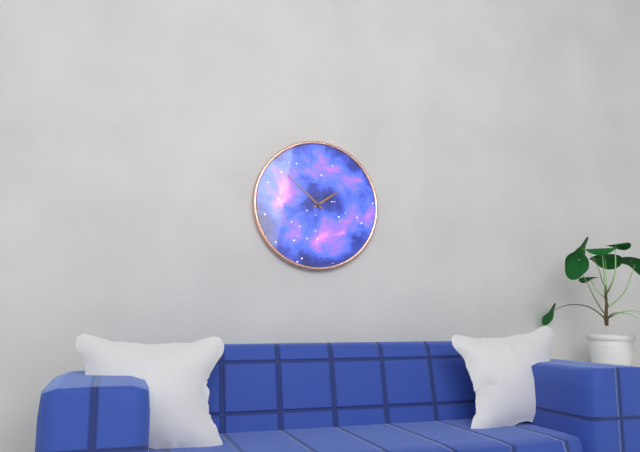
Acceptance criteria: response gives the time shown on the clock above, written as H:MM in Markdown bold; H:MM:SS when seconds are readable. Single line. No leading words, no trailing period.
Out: **1:52**
